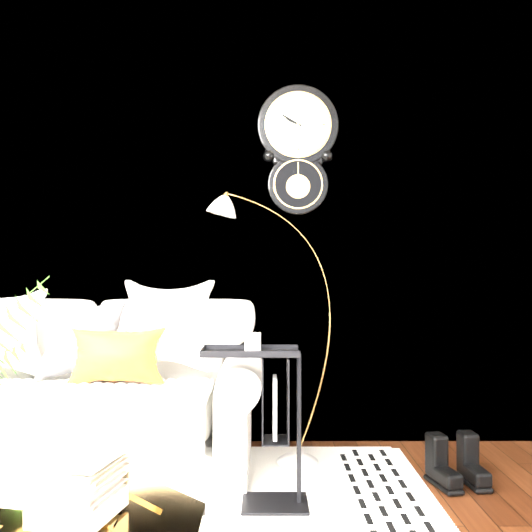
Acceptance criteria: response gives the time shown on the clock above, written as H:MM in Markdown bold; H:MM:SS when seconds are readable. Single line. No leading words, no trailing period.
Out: **9:50**
